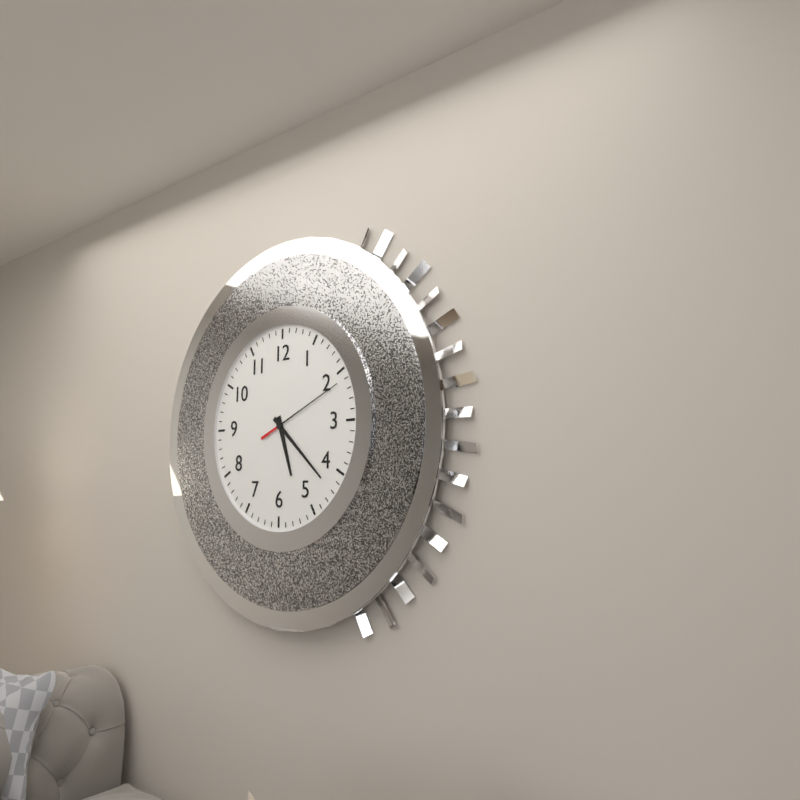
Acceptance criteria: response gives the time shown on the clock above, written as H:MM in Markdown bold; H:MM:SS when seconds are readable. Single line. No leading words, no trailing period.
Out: **5:22:11**
